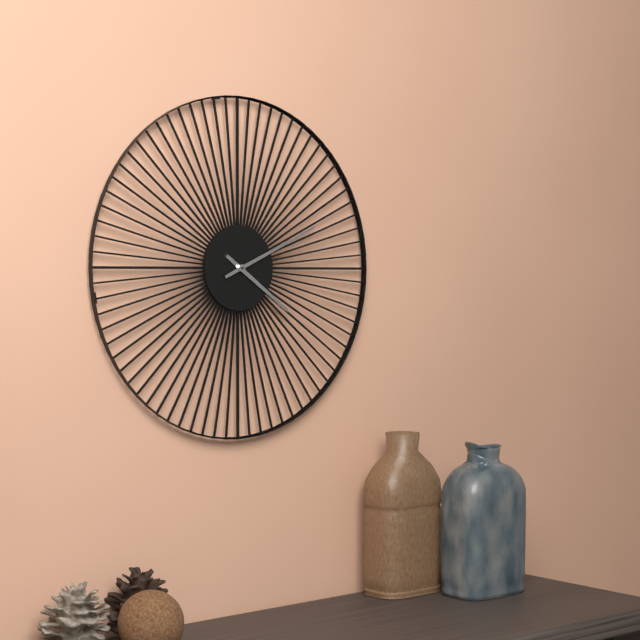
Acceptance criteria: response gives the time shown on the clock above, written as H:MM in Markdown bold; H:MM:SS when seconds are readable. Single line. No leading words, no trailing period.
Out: **4:11**
